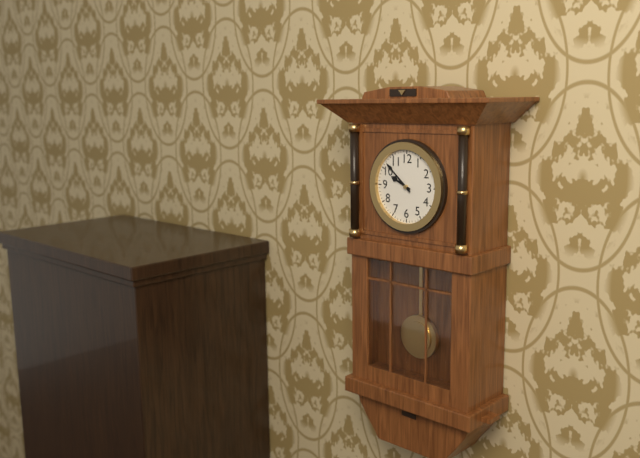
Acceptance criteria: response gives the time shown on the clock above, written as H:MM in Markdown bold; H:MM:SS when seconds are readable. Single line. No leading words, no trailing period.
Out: **9:52**
